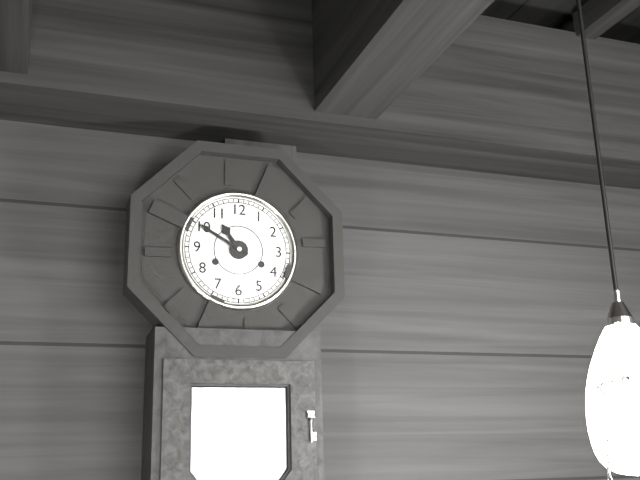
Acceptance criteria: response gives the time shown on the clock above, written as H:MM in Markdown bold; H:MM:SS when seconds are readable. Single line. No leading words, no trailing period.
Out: **10:50**
